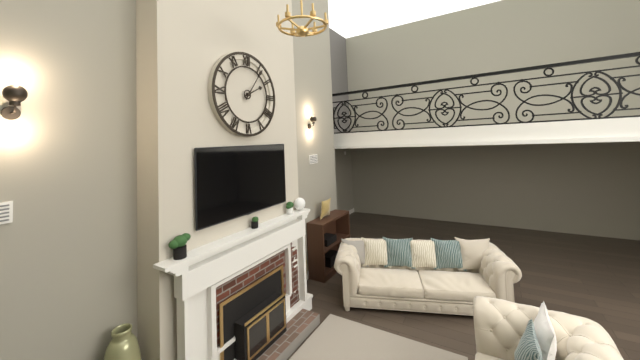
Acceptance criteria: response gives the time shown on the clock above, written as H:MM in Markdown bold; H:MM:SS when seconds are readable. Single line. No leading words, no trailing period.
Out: **2:06**
